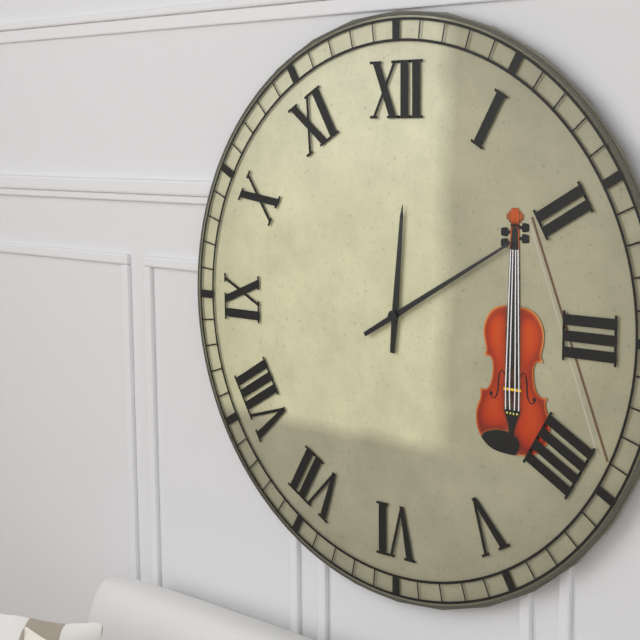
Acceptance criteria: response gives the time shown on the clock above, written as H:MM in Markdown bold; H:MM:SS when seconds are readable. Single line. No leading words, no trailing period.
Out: **12:10**
